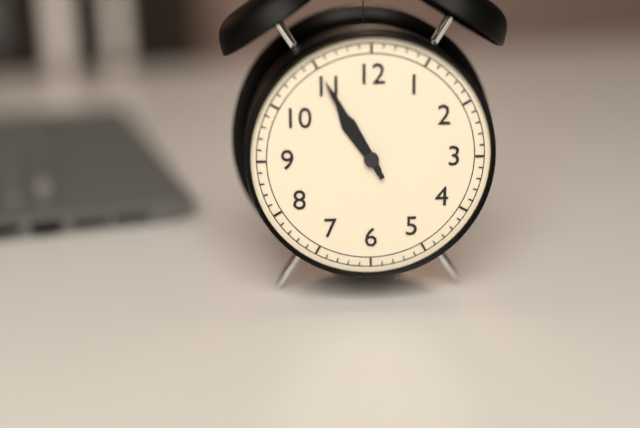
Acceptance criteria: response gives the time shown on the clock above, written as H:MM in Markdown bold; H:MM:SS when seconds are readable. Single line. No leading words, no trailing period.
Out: **10:55**
